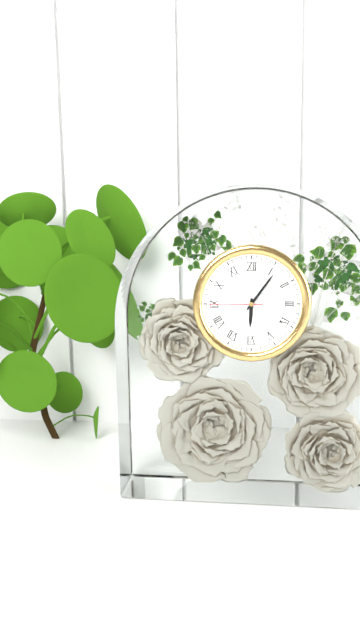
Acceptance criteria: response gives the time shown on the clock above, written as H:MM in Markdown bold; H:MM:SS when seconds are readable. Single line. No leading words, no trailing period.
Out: **6:06:45**
